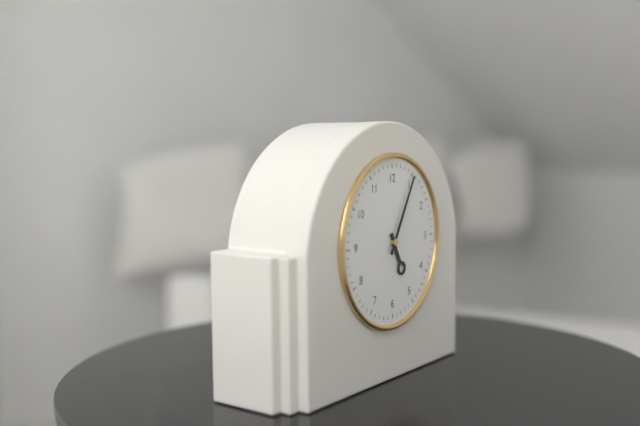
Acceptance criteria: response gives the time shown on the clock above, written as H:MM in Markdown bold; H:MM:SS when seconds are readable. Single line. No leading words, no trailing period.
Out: **5:05**
